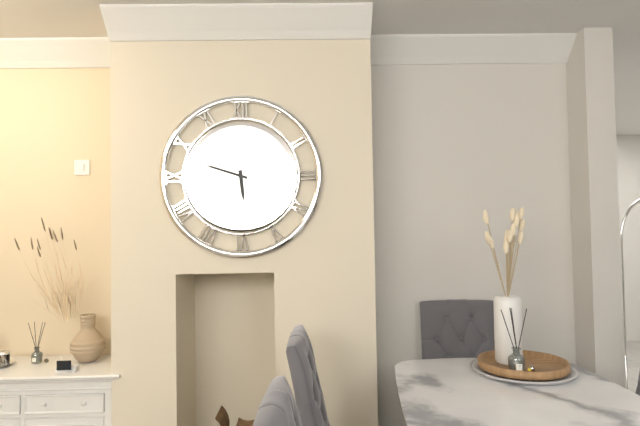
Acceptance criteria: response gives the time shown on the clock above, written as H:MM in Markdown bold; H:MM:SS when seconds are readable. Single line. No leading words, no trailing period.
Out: **5:48**
